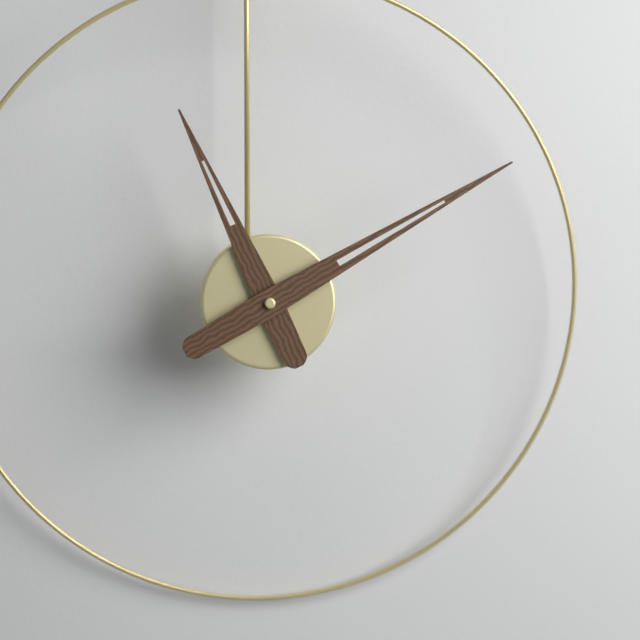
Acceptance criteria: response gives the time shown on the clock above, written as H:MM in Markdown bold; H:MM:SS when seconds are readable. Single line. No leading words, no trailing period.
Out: **11:10**
